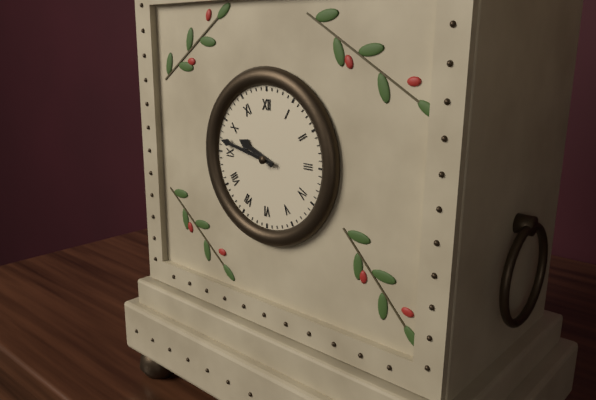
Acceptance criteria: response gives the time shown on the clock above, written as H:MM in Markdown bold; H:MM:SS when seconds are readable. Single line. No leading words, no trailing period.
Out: **9:47**
